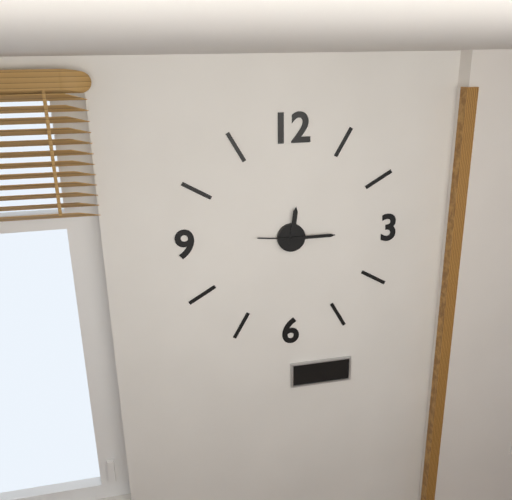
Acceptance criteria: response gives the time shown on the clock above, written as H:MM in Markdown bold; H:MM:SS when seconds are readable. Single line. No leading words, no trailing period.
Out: **12:15**
